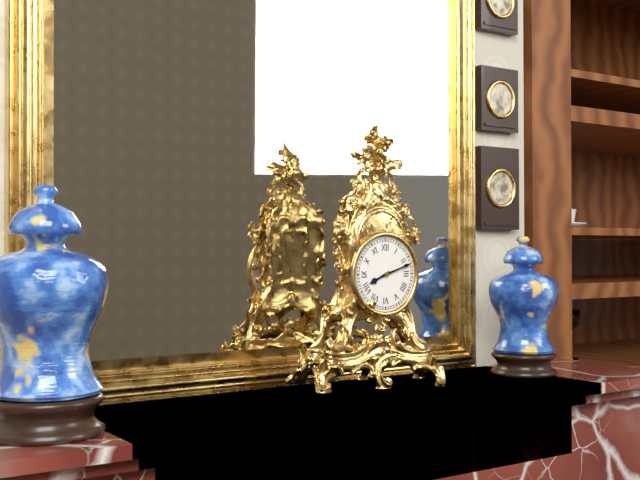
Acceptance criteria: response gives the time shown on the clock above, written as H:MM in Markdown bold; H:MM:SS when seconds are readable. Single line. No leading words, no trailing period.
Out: **8:12**
